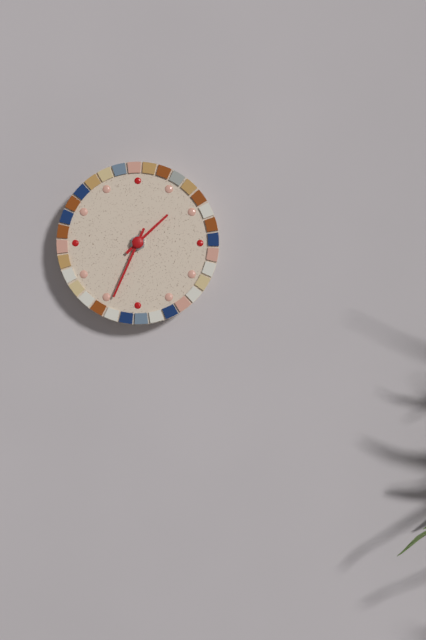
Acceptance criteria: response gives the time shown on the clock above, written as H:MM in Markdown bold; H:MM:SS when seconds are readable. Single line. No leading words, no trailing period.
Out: **1:34**
